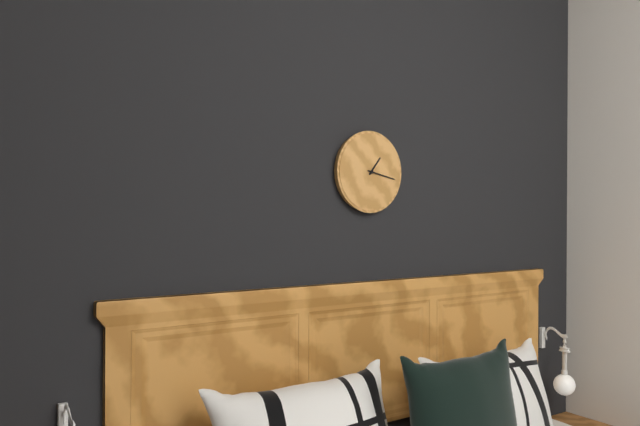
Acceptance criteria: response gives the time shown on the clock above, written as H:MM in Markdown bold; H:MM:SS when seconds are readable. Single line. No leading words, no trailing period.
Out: **1:17**
